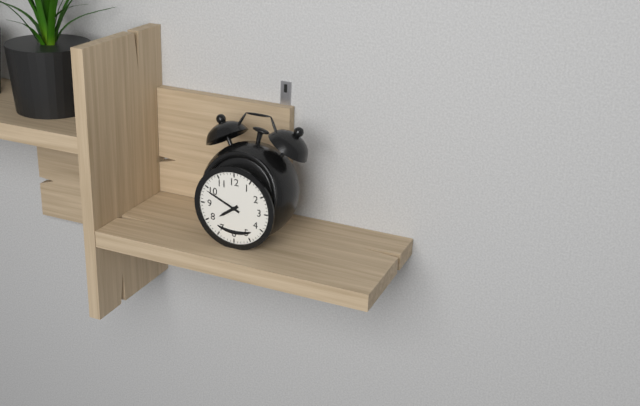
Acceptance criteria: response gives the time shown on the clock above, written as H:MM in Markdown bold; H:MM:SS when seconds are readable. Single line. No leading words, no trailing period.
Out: **7:49**
